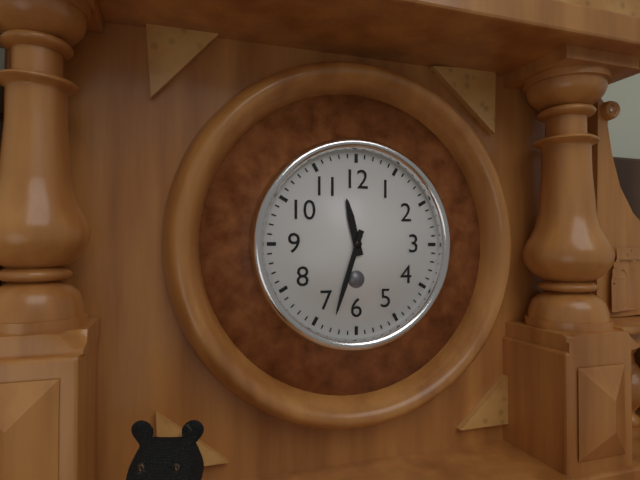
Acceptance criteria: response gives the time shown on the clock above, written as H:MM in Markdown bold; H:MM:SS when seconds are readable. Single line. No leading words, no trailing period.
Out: **11:33**
